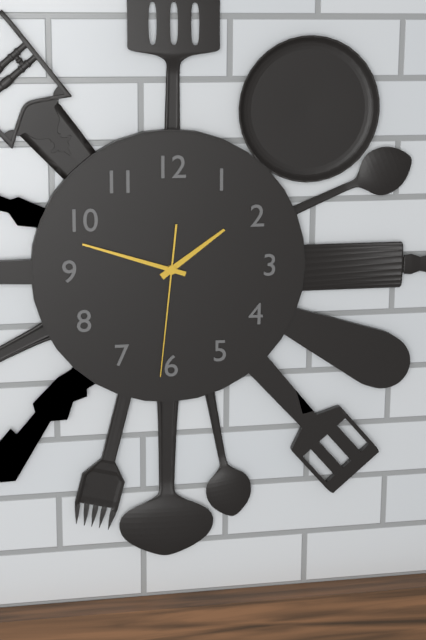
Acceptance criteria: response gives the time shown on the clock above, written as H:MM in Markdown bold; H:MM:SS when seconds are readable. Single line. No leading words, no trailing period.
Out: **1:48:31**
